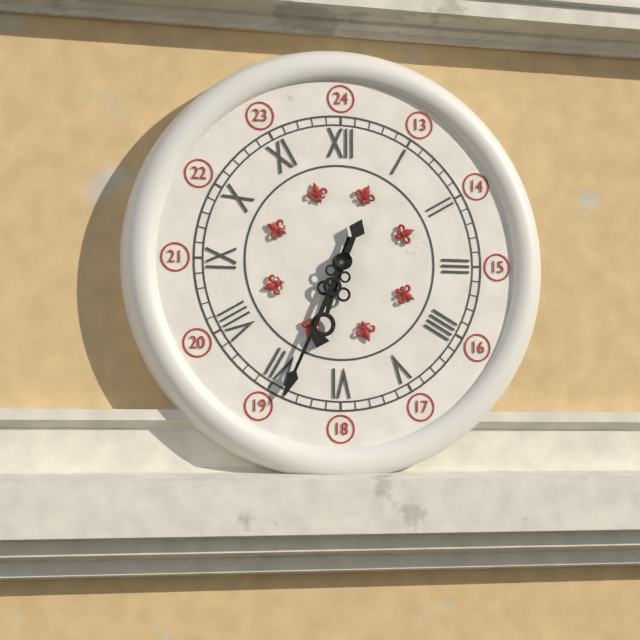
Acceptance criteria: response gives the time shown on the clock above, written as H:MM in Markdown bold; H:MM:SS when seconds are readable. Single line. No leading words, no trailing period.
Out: **6:34**
